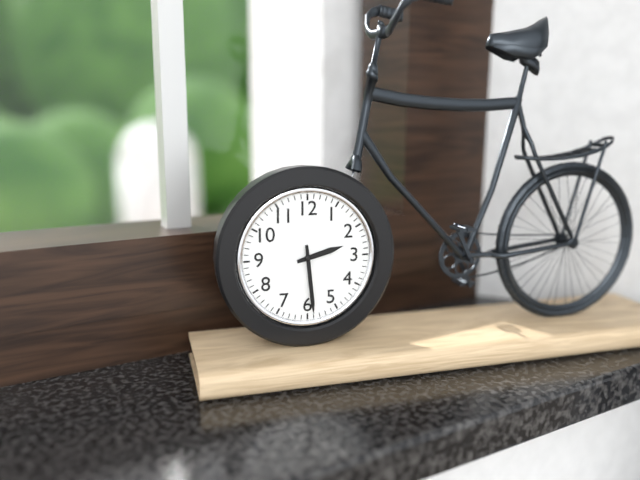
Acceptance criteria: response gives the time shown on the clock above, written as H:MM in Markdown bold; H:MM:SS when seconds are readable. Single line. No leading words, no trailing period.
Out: **2:29**
